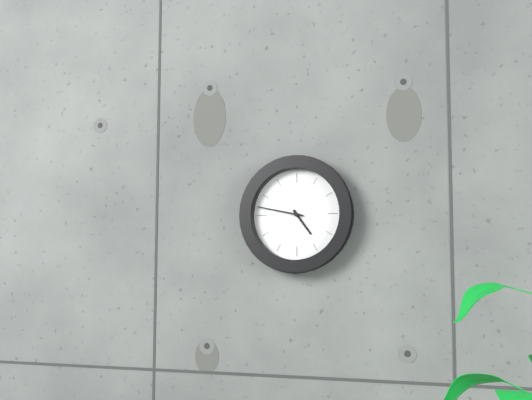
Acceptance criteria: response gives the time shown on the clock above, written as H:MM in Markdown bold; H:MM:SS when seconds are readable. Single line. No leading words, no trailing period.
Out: **4:47**
